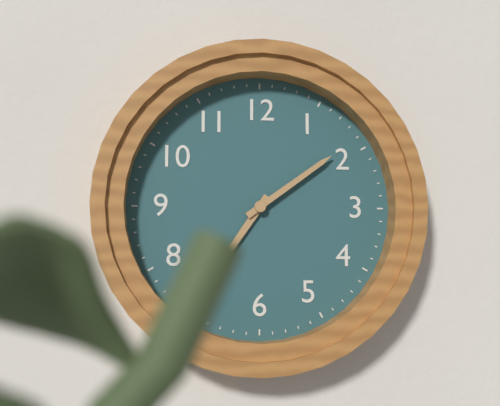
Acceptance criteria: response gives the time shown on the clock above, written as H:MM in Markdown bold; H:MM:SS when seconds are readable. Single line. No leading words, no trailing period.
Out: **7:09**
